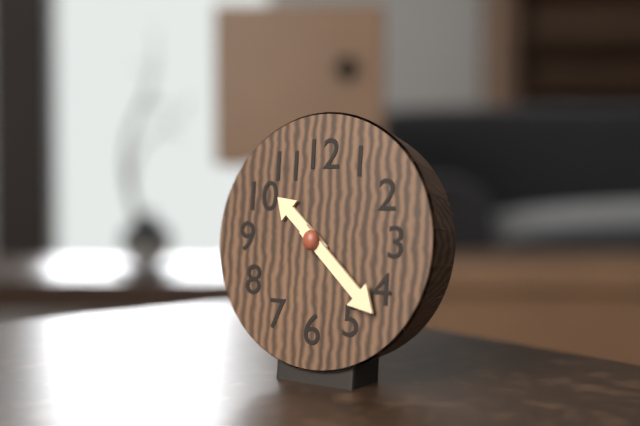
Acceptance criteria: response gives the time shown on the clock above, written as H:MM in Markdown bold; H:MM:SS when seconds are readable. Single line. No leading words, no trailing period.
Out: **10:22**
